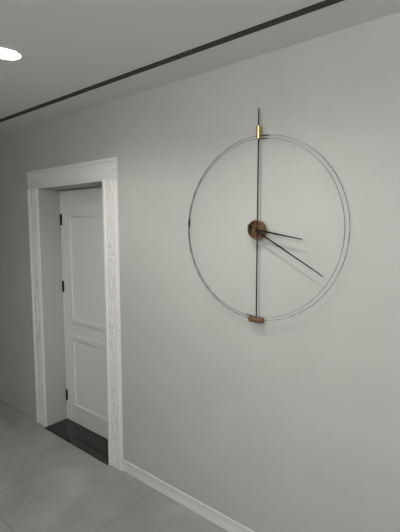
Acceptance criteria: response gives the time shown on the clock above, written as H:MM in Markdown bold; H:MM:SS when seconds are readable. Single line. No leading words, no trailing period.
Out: **3:20**
